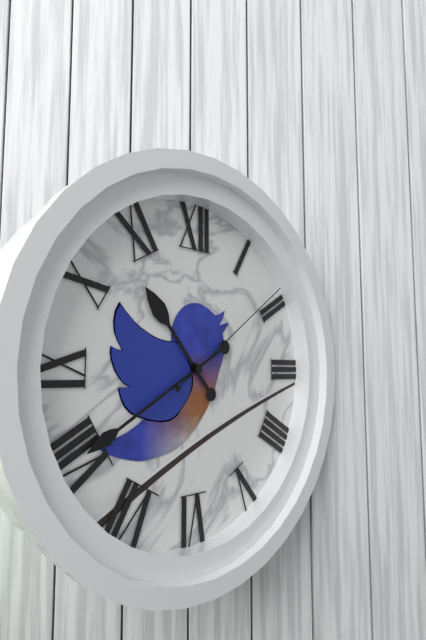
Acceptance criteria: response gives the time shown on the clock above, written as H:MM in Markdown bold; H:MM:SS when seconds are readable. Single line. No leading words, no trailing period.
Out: **10:40:09**
